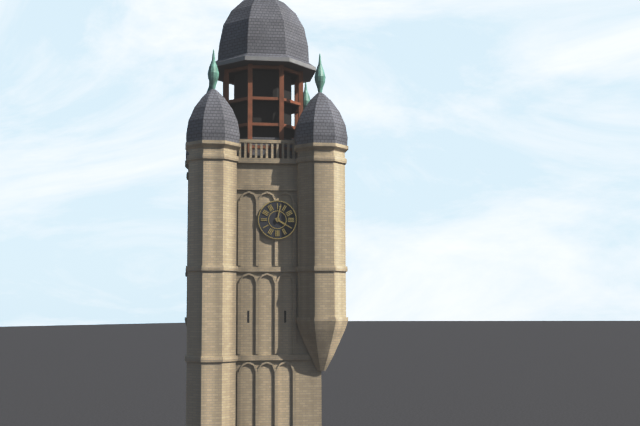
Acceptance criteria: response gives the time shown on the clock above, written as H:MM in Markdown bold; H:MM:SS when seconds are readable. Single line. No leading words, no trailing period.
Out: **4:02**
